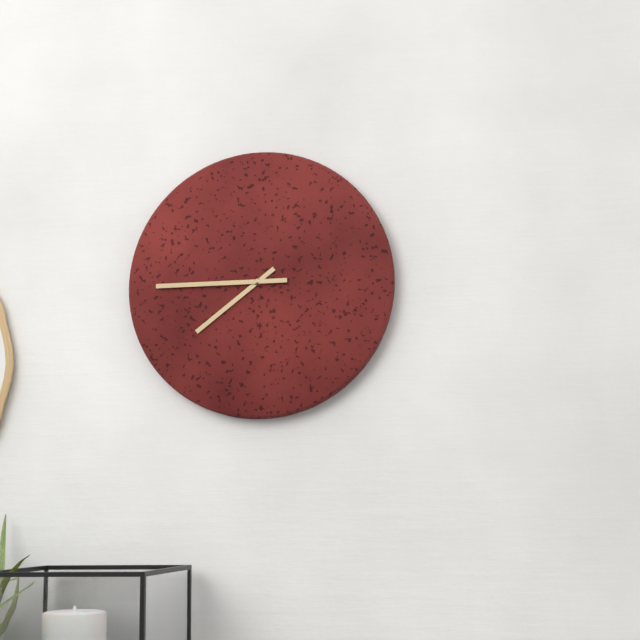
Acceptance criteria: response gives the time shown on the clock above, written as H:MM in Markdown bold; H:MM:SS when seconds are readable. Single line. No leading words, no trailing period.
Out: **7:45**
